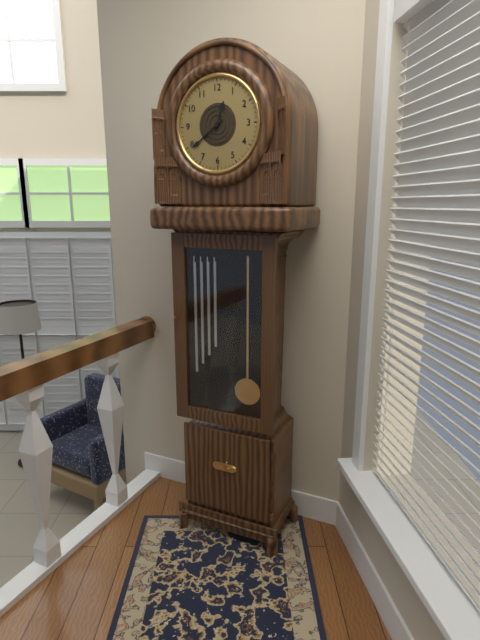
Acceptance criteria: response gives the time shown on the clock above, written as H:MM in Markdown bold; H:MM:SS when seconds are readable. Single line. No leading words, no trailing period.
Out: **12:39**
